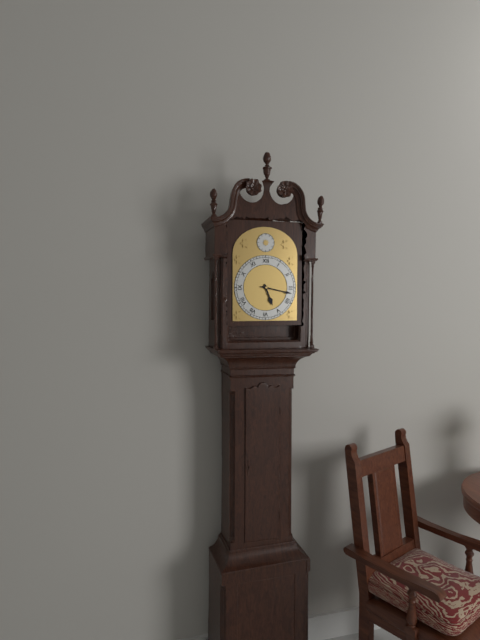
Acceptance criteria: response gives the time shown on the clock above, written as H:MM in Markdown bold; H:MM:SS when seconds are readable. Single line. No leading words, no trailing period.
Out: **5:17**
